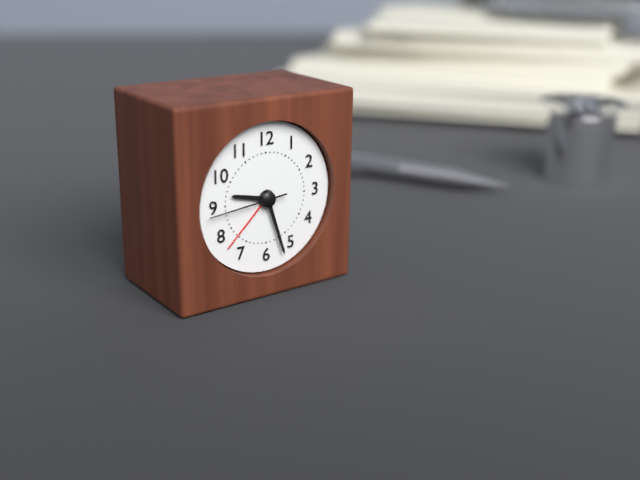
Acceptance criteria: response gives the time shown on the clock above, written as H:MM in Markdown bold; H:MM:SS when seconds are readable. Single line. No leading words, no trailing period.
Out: **9:27:44**
